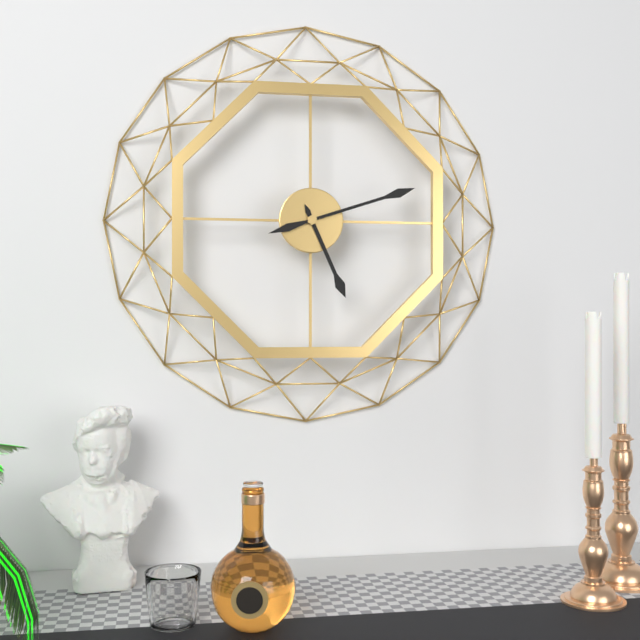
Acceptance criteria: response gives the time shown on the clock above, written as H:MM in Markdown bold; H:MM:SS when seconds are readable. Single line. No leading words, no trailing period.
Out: **5:12**
